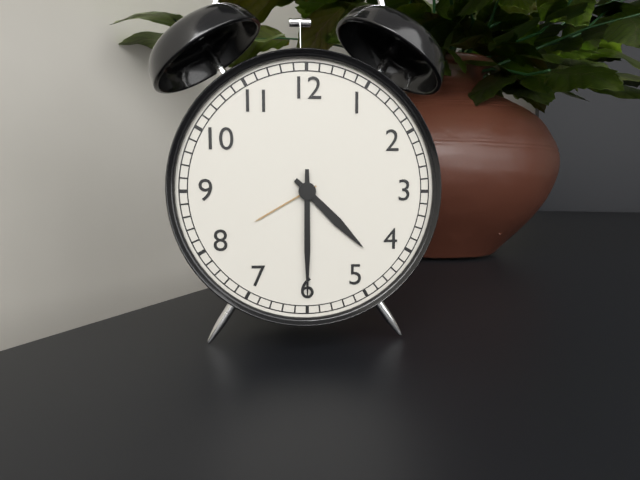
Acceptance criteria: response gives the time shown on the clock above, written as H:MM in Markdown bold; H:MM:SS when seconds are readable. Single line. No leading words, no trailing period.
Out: **4:30**
